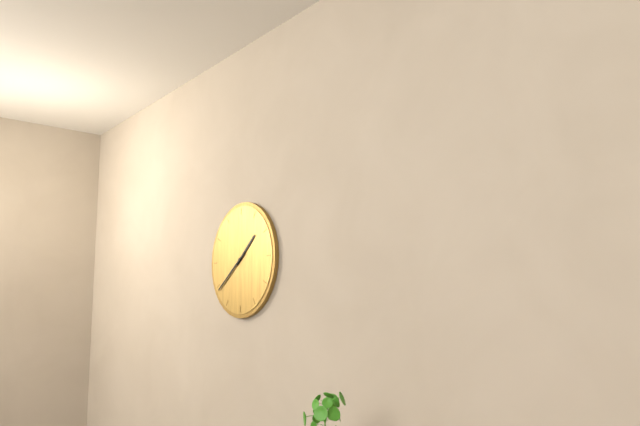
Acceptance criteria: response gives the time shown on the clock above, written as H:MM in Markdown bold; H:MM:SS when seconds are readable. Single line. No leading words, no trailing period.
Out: **1:39**
